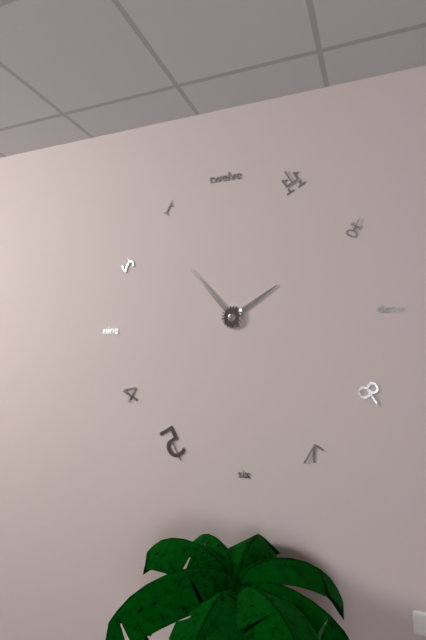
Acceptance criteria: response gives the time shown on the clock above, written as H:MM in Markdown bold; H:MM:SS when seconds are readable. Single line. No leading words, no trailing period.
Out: **1:53**
